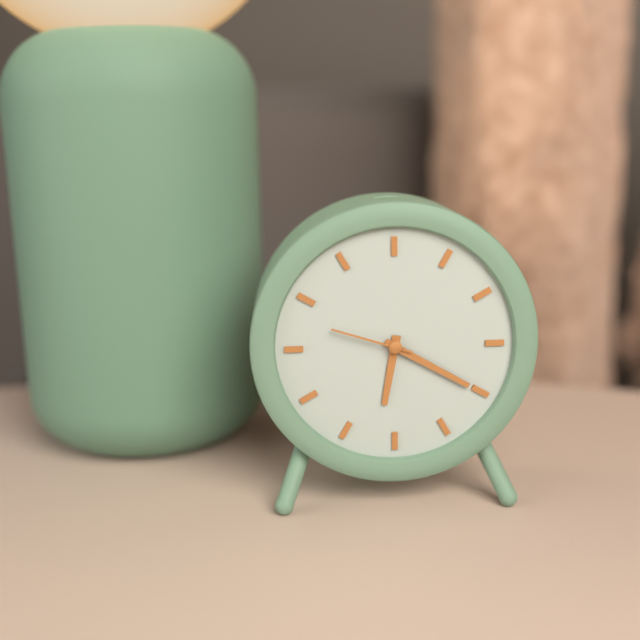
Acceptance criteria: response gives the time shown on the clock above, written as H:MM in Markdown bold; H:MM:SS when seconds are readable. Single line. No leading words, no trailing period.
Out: **6:20:48**
